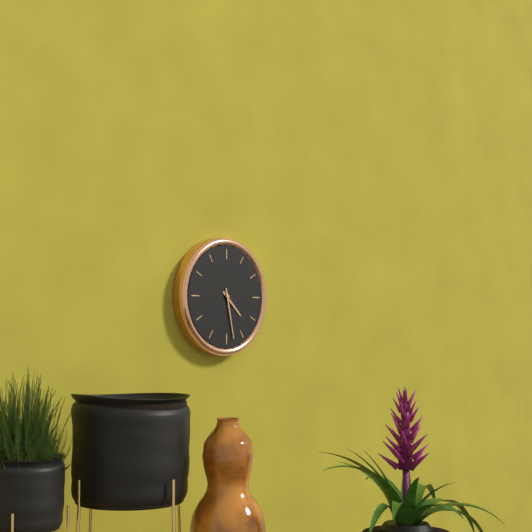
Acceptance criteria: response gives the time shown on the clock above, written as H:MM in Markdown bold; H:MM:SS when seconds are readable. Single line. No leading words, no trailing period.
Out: **4:28**
